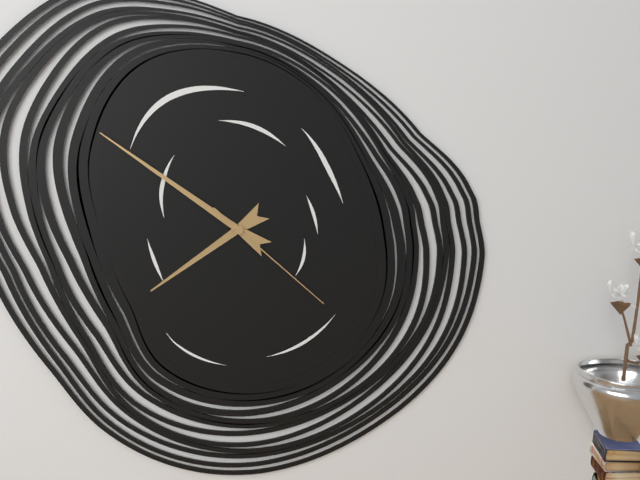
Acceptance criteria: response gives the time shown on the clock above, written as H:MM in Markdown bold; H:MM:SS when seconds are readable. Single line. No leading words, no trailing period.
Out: **7:51:22**
